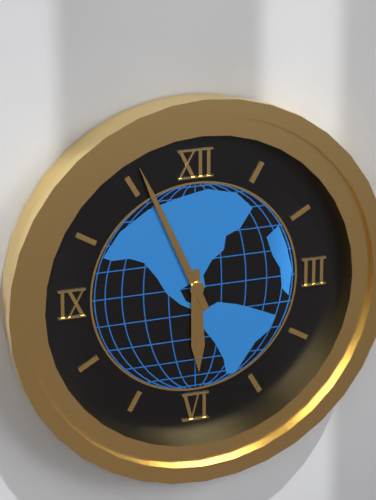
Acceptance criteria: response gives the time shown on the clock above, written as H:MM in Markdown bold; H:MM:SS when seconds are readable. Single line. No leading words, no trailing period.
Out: **5:56**
